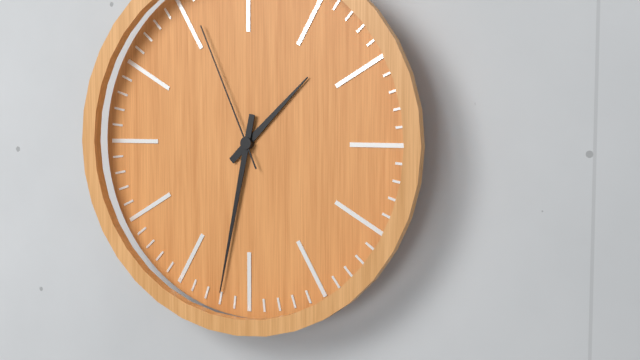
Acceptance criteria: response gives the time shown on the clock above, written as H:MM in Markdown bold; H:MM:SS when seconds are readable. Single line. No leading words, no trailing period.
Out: **1:32:56**
